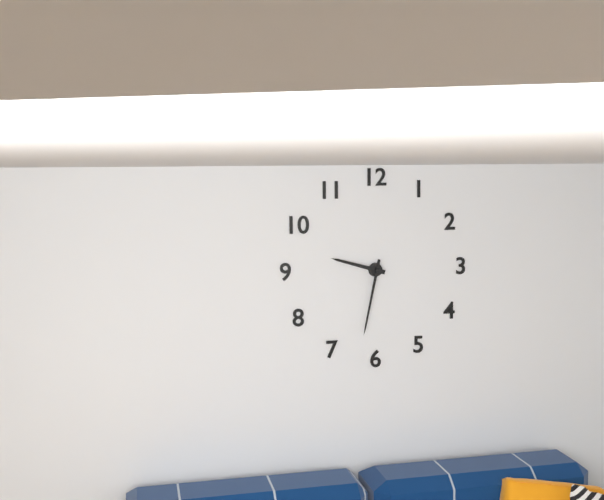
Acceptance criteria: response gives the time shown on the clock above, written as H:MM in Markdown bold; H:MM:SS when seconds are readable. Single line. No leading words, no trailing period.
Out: **9:32**
